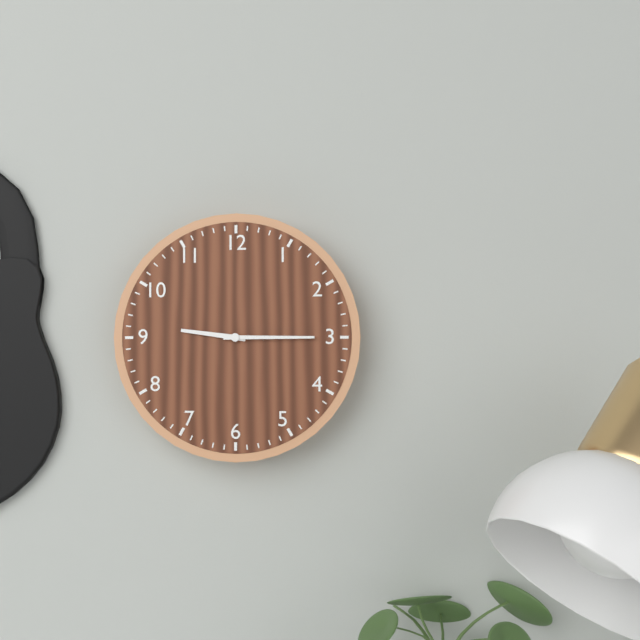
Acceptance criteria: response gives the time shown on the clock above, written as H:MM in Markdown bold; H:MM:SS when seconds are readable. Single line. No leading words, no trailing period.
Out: **9:15**
